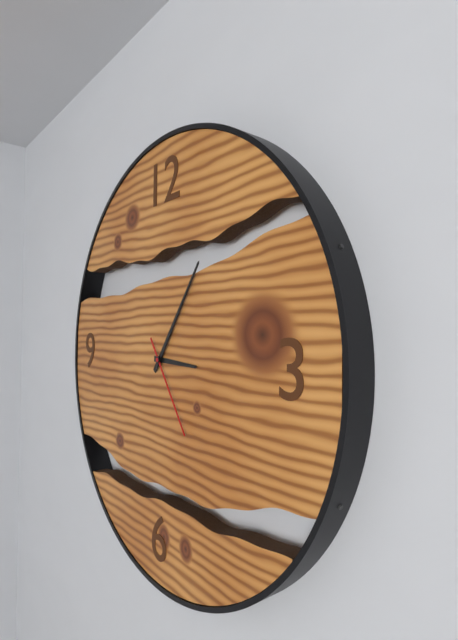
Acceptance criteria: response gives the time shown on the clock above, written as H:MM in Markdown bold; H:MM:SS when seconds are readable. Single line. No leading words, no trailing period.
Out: **3:06:24**
